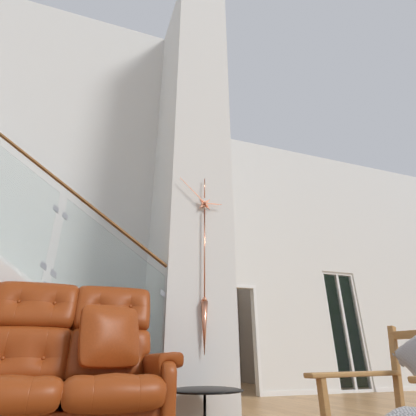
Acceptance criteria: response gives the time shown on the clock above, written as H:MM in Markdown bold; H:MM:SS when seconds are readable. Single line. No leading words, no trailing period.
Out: **2:52**
